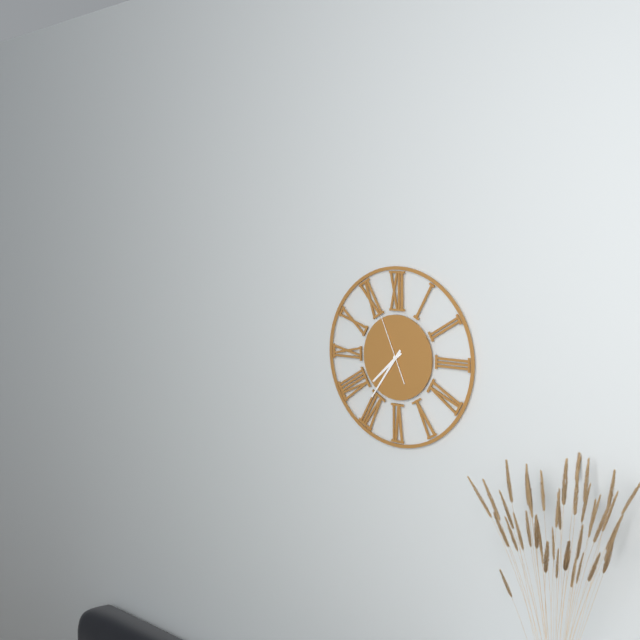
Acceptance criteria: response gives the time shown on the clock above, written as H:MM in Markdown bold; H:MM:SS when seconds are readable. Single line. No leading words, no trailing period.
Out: **7:36:56**
